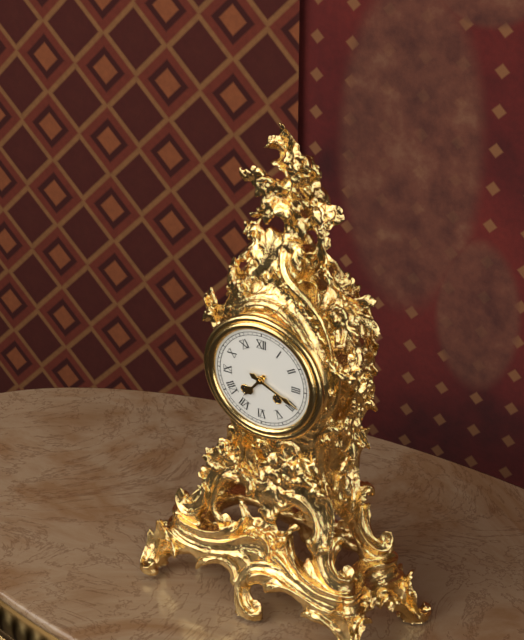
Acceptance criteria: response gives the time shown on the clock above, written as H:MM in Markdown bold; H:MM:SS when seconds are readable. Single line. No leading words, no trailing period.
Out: **7:19**
